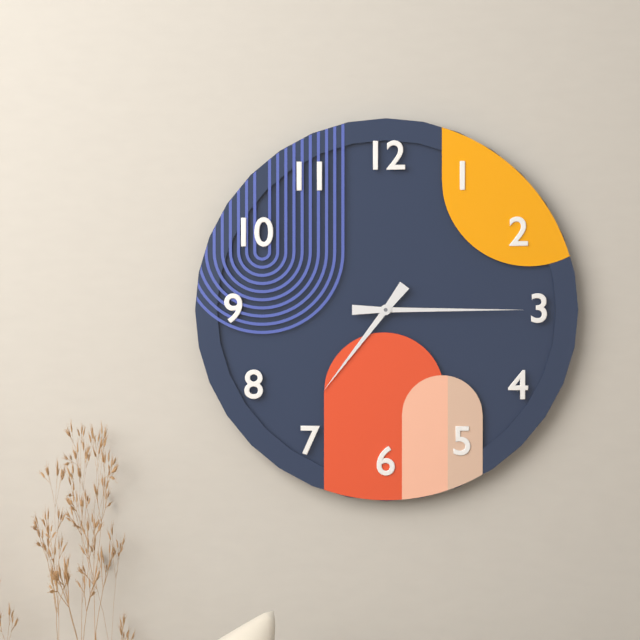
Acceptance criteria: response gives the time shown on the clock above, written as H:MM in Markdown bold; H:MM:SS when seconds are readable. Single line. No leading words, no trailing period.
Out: **7:15**
